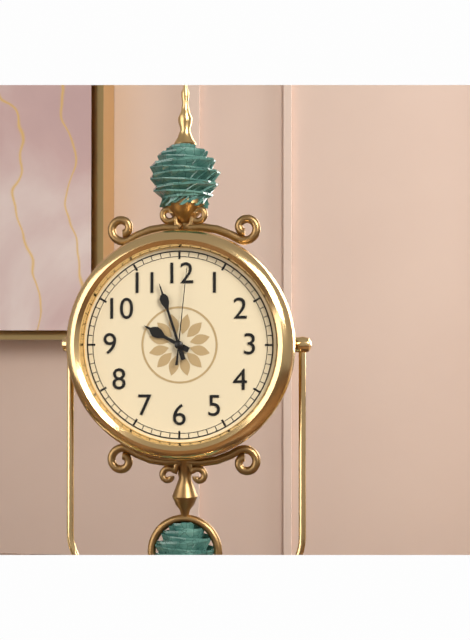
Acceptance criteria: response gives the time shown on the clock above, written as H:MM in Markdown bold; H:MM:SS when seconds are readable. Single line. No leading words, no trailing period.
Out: **9:57:01**
